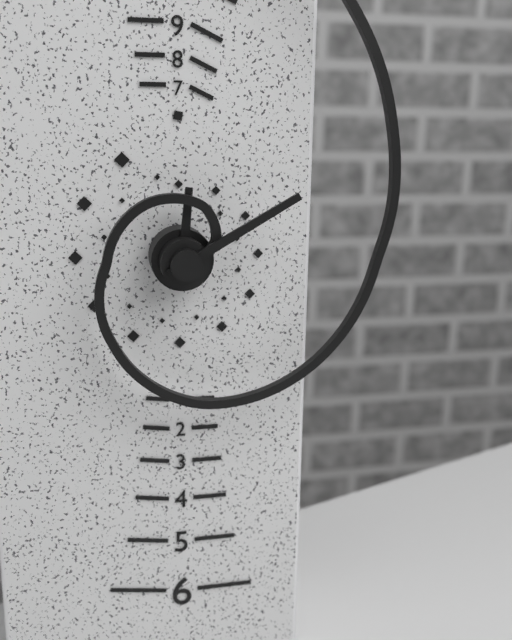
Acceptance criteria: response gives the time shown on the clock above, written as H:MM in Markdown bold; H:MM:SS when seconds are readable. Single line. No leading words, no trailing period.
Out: **12:10**
